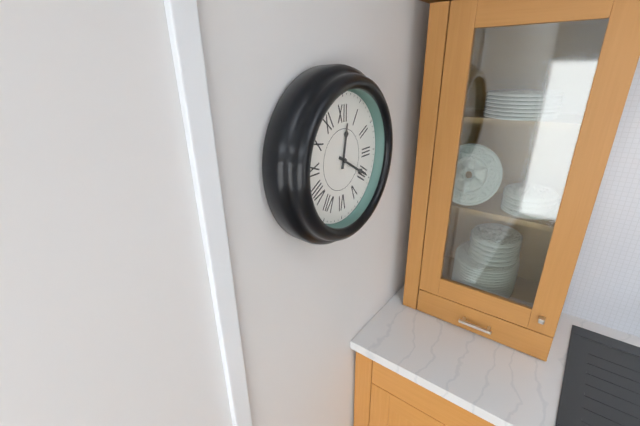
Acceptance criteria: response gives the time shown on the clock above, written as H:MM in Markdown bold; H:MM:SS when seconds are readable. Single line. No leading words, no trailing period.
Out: **12:20**
